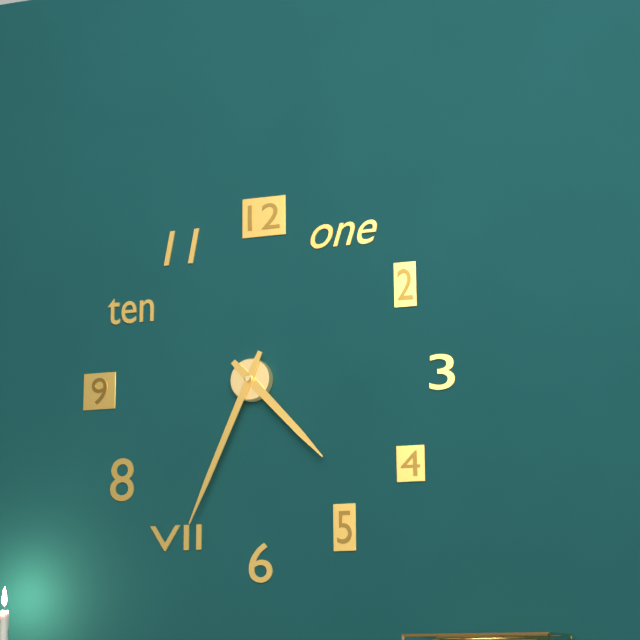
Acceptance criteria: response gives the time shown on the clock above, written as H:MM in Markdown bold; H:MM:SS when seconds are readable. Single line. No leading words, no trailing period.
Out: **4:34**
